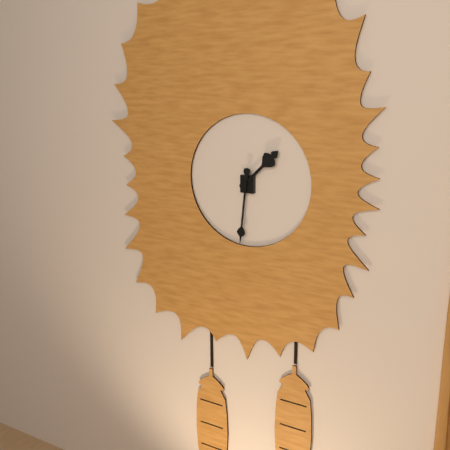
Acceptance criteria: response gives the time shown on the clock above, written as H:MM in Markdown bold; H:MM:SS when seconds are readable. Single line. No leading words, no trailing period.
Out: **1:31**
